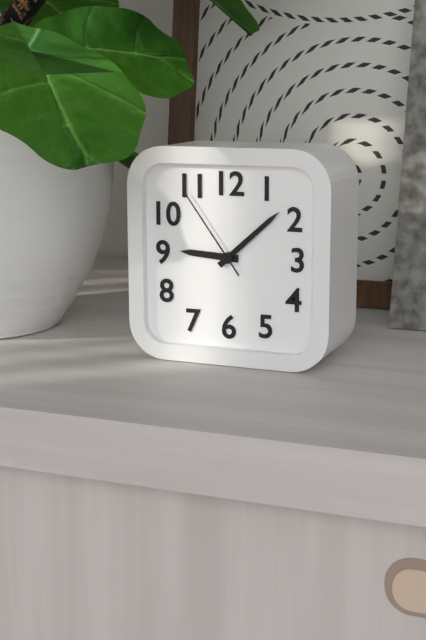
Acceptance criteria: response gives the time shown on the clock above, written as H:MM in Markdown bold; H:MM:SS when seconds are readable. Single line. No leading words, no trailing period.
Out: **9:08:54**
